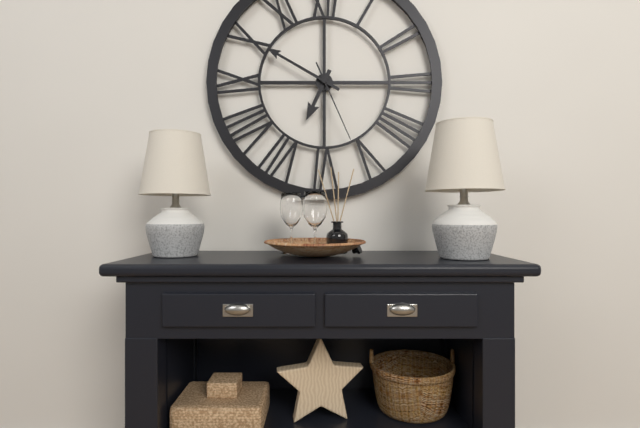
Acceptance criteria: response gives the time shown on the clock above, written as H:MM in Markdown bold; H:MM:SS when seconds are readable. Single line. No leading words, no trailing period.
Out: **6:50:26**
